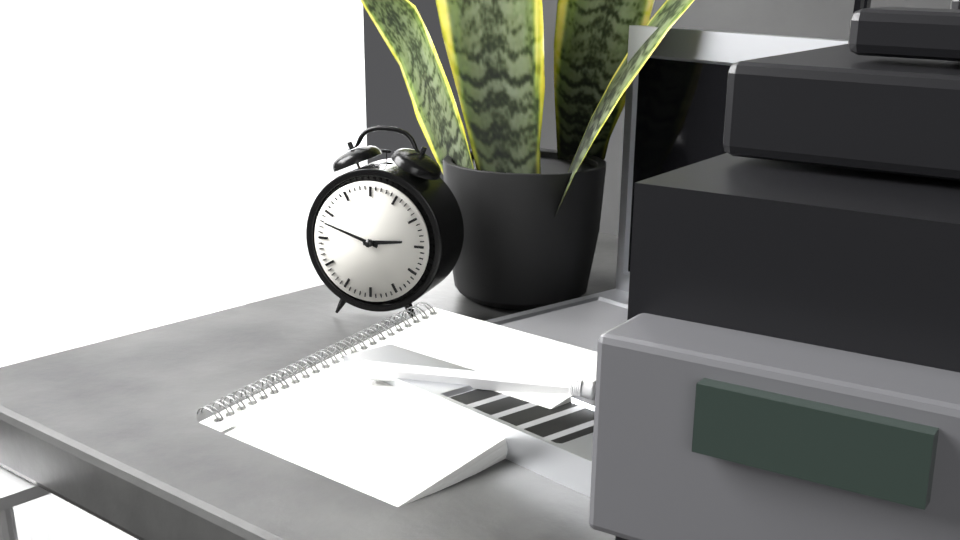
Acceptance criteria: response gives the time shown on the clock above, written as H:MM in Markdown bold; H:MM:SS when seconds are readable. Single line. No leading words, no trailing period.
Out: **2:48**
